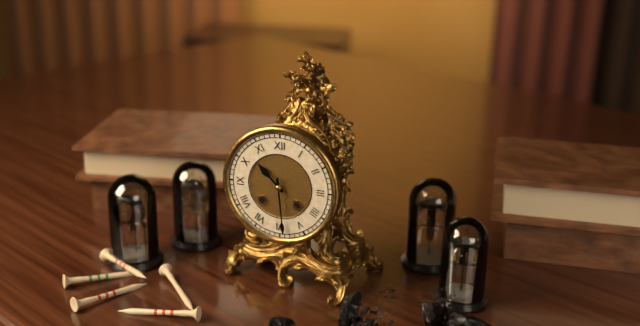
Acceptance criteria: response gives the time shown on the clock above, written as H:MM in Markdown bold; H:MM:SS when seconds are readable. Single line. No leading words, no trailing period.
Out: **10:29**
